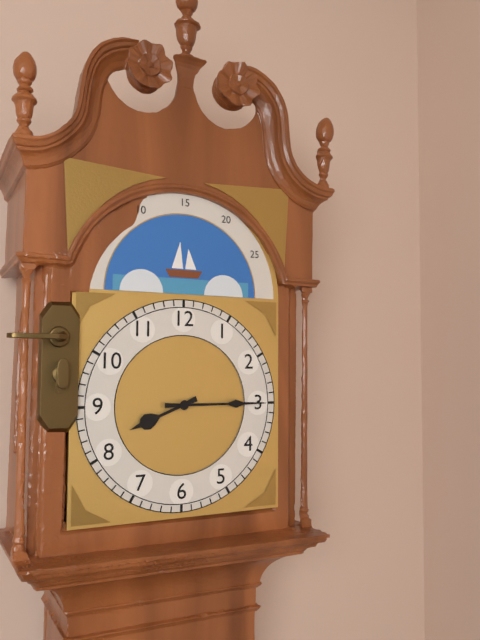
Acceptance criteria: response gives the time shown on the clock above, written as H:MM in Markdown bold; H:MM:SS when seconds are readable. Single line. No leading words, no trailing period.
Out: **8:15**
